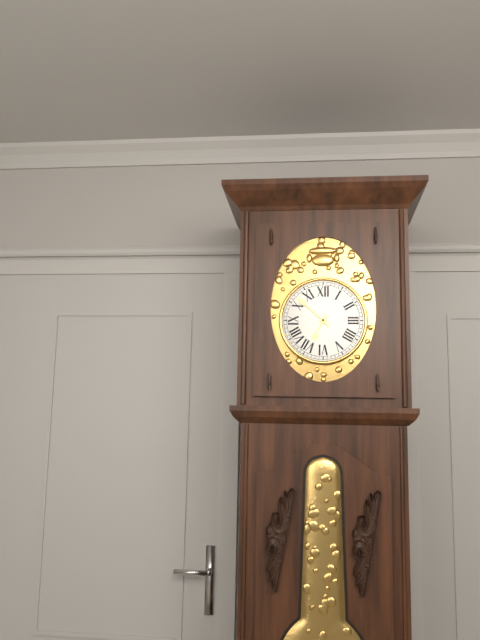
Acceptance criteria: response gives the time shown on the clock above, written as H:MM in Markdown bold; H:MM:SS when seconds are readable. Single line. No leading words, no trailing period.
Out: **6:52**
